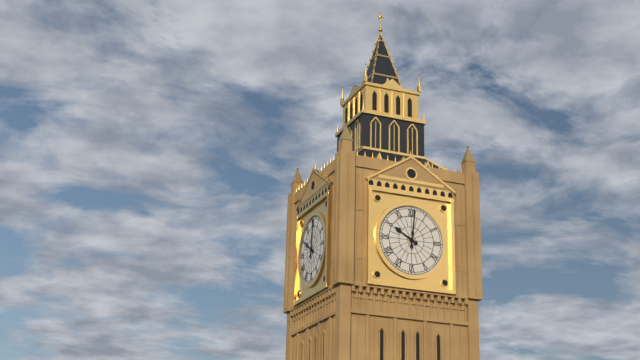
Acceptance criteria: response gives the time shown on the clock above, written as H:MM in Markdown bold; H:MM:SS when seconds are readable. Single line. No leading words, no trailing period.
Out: **10:01**
